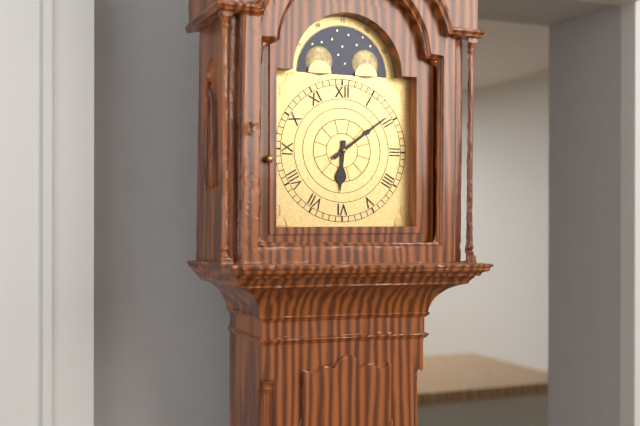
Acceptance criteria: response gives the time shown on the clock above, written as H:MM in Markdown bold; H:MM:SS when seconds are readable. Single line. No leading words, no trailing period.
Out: **6:09**
